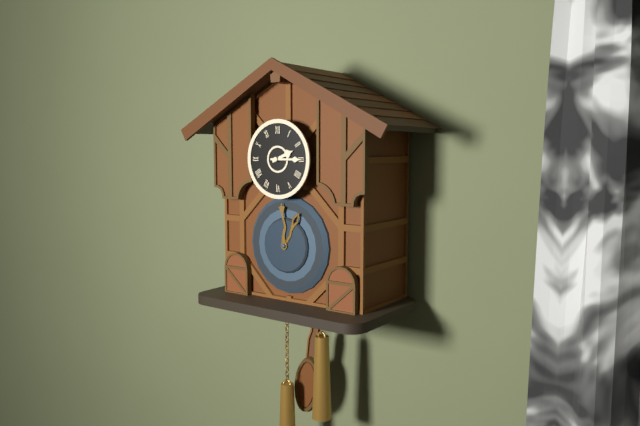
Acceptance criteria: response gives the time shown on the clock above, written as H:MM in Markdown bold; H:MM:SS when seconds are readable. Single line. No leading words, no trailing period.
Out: **2:15**
